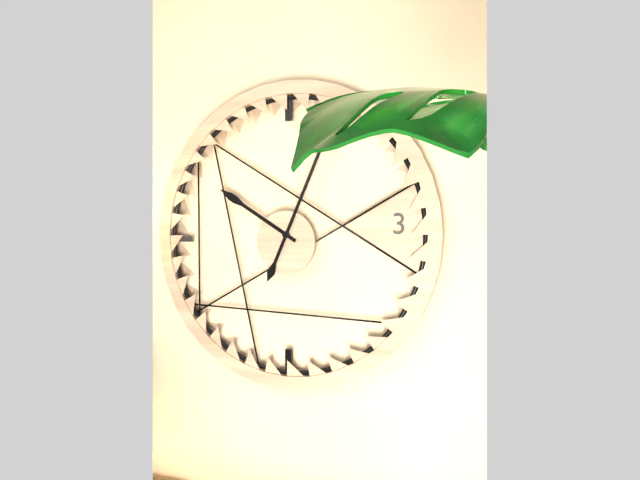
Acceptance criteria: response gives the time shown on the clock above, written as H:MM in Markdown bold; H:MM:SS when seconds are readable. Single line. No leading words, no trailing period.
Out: **10:04**
